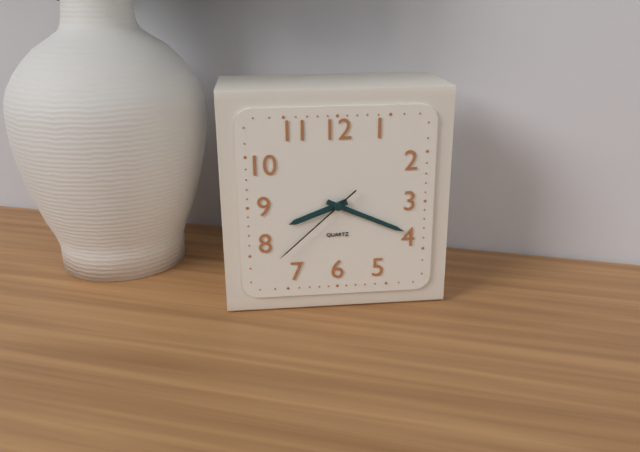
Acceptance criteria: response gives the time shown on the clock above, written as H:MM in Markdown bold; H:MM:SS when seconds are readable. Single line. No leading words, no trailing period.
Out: **8:19:38**
